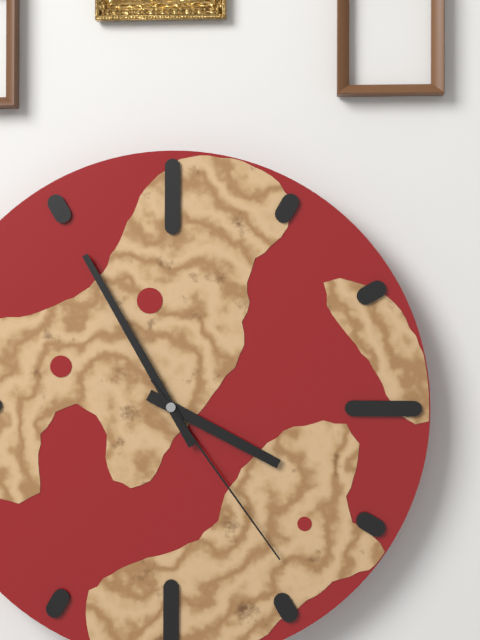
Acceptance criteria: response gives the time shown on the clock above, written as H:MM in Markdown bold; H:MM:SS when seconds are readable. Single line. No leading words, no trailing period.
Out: **3:55:24**
